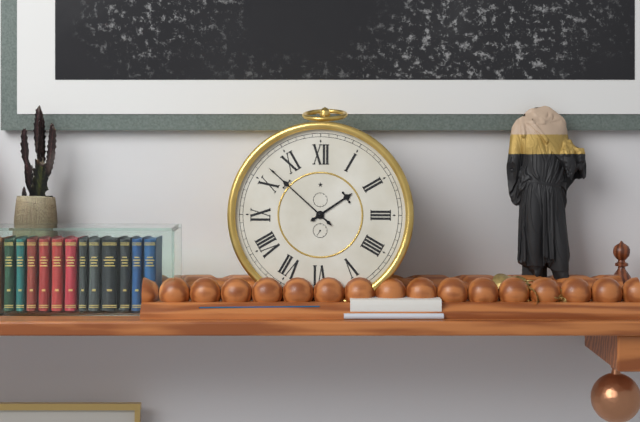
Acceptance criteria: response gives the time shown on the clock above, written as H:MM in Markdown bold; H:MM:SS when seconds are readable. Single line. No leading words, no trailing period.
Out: **1:52**
